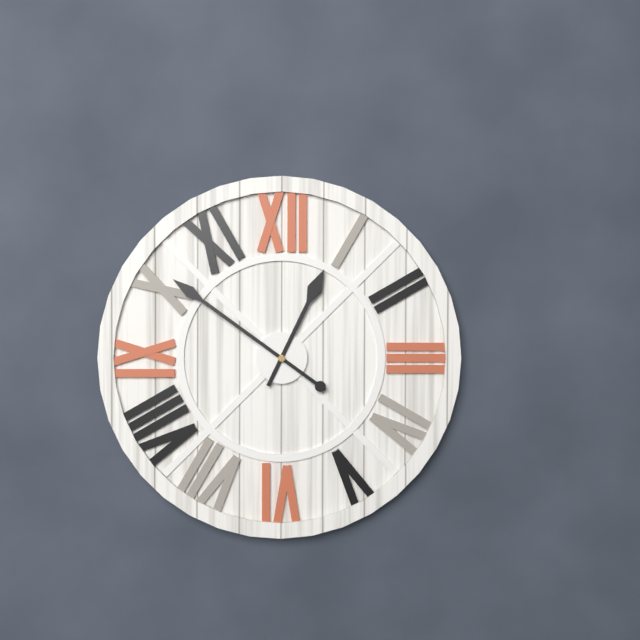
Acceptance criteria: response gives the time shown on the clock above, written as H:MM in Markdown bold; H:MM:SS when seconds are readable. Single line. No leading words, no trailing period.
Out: **12:51**
